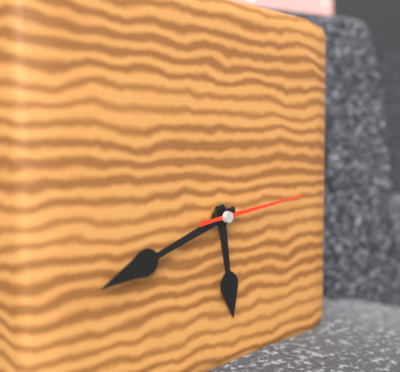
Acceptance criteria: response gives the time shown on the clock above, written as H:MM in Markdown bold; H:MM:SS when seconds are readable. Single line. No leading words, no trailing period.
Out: **5:42:14**
